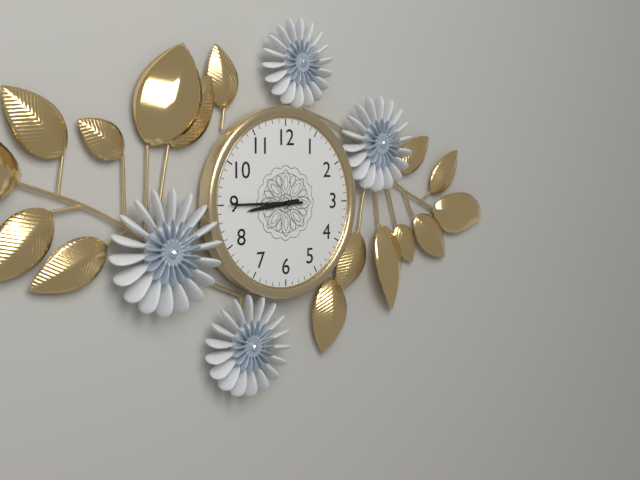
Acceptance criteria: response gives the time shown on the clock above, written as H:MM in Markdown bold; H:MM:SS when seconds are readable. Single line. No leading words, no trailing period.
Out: **8:45**
